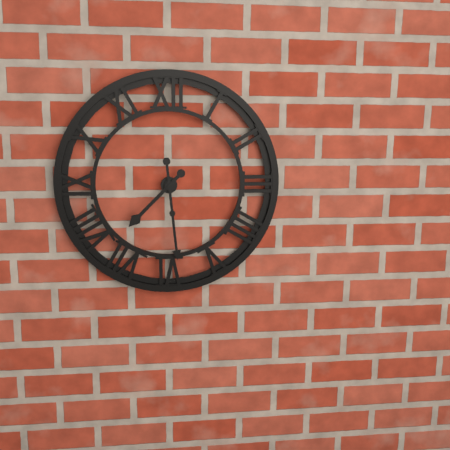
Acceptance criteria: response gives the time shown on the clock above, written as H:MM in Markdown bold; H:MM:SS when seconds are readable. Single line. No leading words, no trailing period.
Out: **7:29**
